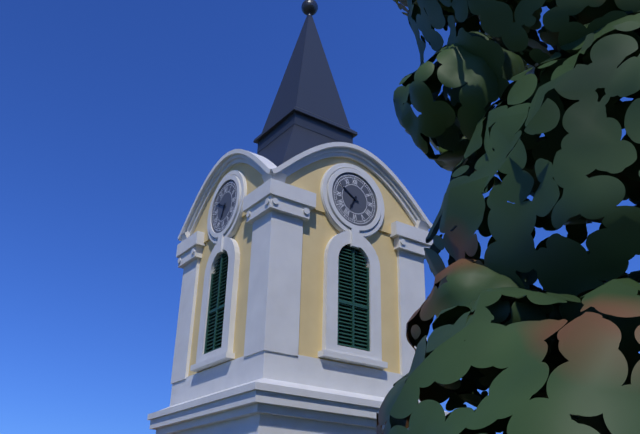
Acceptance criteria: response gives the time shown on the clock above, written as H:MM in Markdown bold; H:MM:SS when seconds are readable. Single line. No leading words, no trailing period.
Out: **6:50**
